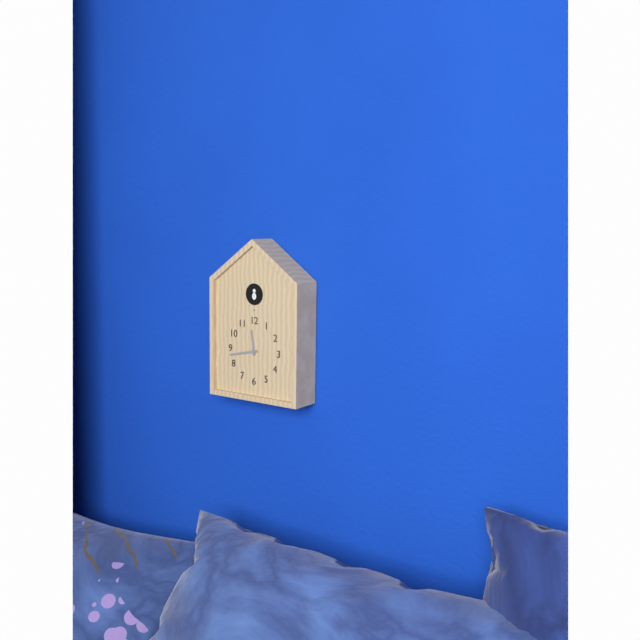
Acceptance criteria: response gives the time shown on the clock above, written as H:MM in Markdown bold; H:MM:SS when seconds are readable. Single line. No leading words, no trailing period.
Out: **11:43**
